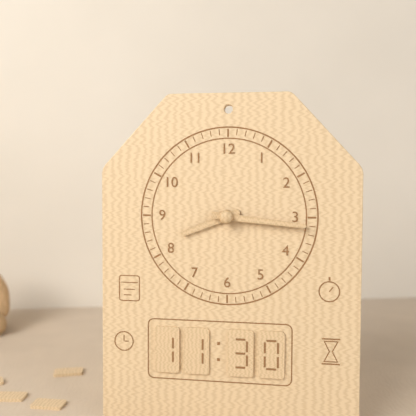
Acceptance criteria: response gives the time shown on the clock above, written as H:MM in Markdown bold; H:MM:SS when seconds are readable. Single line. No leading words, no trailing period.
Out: **8:16**
